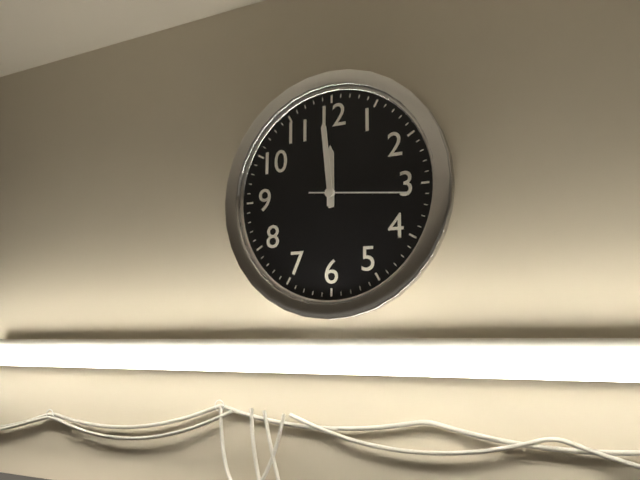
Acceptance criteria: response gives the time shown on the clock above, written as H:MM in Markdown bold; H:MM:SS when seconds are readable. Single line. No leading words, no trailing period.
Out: **11:59:16**
